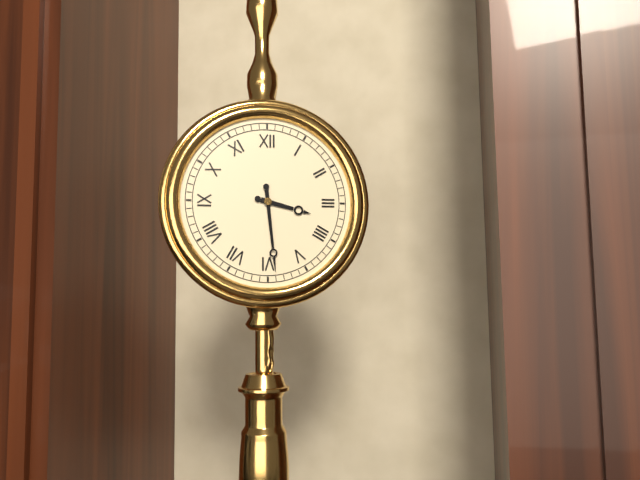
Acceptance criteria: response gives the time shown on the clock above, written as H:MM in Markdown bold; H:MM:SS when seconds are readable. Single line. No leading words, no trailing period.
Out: **3:29**
